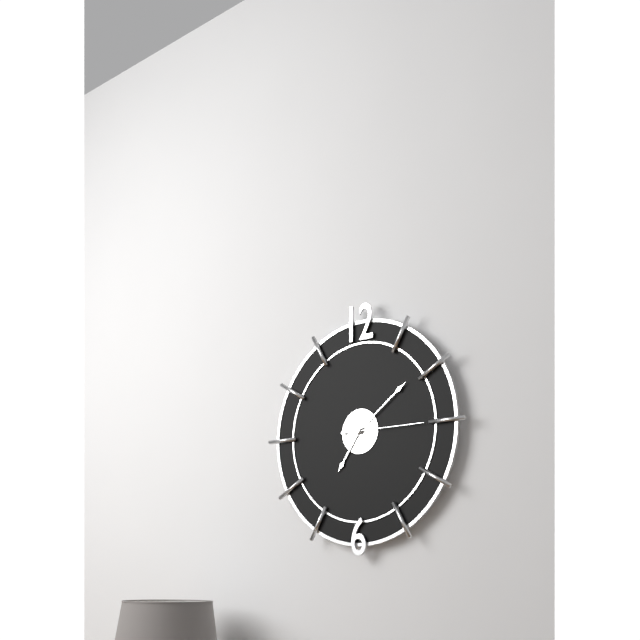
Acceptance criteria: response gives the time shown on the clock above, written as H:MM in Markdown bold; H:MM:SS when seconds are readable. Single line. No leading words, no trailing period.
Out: **7:09:15**
